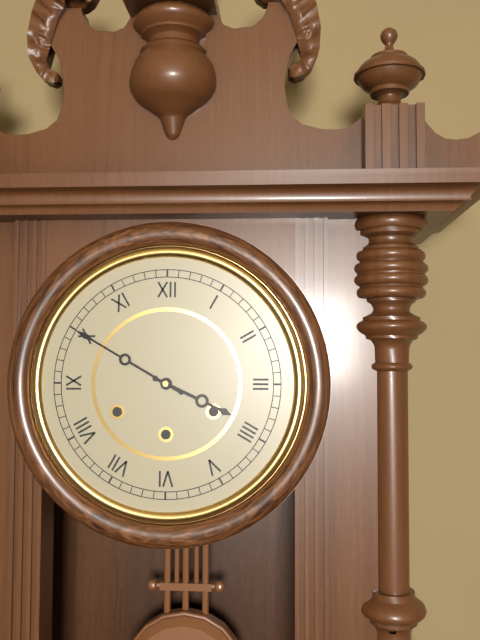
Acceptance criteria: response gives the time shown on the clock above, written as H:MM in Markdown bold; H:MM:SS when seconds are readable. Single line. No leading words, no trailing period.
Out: **3:50**
